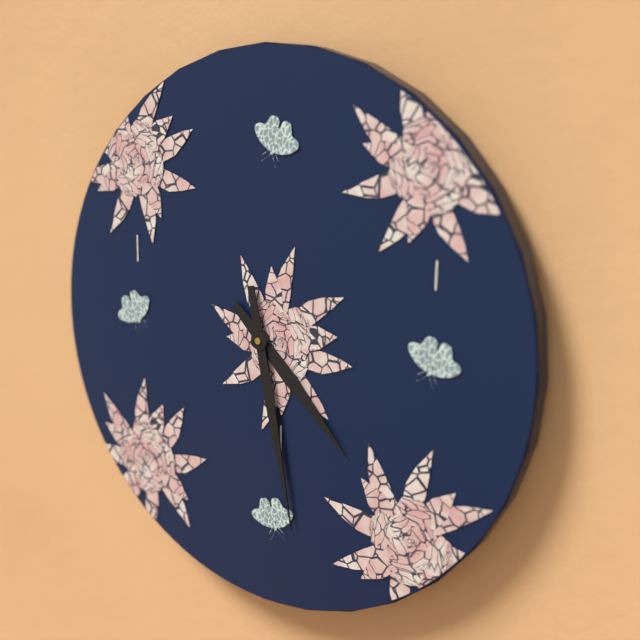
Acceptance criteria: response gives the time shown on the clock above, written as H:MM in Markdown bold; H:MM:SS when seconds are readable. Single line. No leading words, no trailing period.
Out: **4:28**
